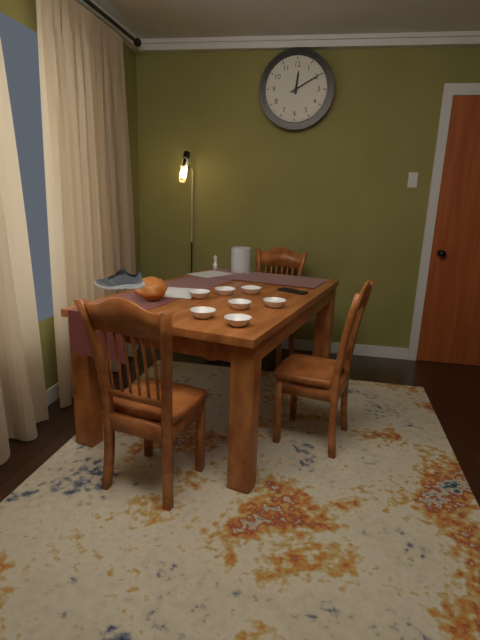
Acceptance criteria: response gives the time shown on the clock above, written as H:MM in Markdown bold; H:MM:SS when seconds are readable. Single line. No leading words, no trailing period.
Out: **12:10**
